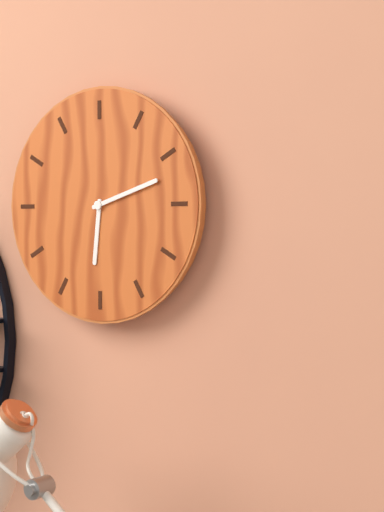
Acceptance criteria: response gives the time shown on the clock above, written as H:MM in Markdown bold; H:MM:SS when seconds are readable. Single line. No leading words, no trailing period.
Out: **6:12**
